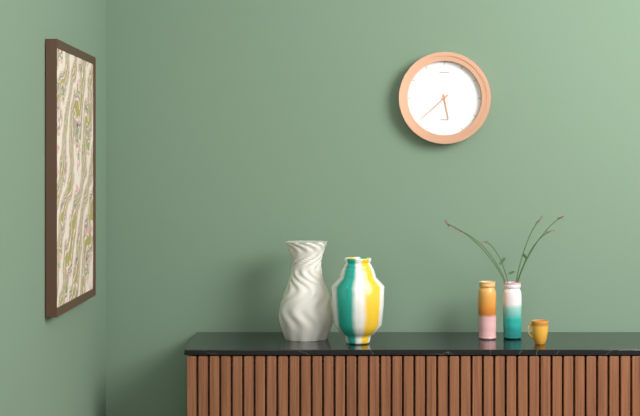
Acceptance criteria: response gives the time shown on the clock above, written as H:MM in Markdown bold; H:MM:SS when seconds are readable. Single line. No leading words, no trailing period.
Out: **5:38**
